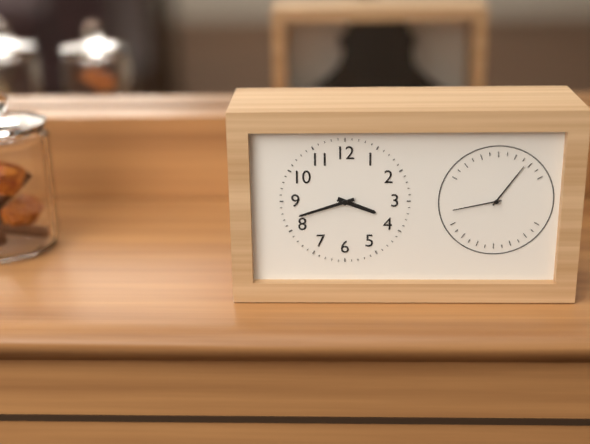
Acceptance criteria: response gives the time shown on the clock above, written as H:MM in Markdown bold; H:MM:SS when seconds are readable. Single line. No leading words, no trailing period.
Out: **3:42**
